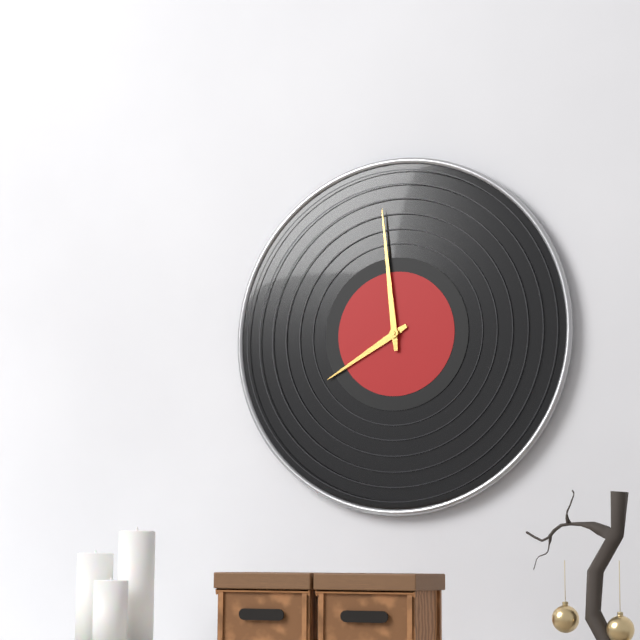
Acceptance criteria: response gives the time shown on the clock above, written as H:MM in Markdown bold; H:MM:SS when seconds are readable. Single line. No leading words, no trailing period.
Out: **7:59**
